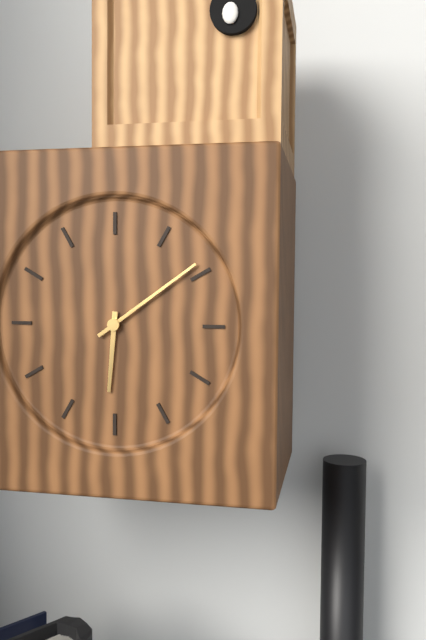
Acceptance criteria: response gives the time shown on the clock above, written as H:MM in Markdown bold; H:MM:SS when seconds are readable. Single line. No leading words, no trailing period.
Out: **6:09**
